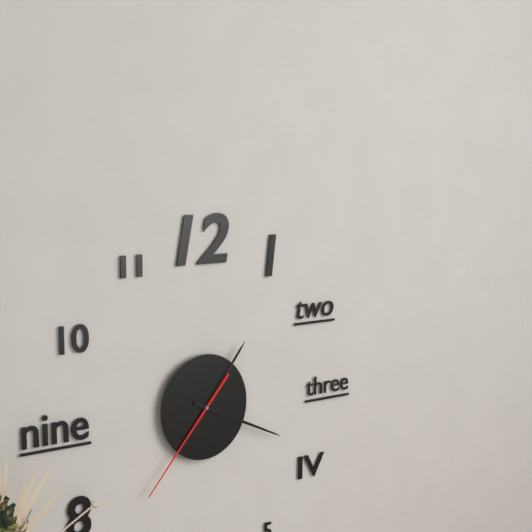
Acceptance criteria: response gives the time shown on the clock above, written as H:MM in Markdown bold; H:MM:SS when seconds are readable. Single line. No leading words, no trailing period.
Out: **1:19:37**
